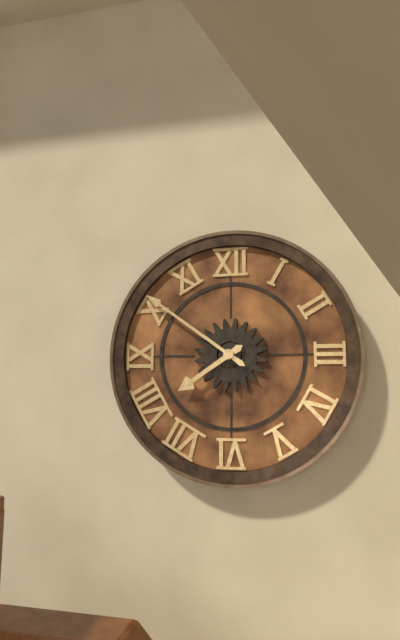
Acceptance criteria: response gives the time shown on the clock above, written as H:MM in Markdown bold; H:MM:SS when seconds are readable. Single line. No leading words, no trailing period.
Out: **7:51**
